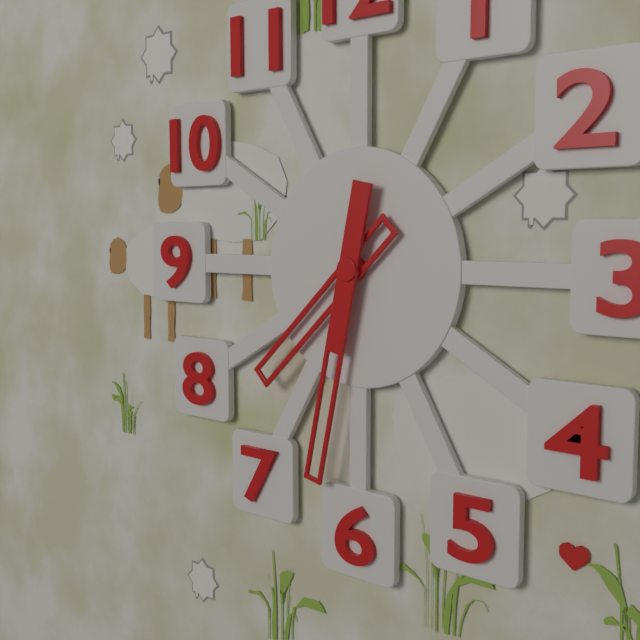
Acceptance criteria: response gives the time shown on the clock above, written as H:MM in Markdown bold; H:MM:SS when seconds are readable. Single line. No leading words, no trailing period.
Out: **7:32**
